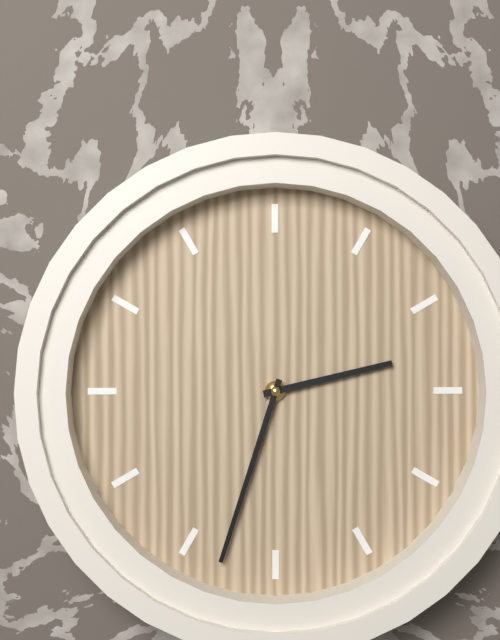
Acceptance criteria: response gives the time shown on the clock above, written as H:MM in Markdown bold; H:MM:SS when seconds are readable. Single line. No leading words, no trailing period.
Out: **2:33**
